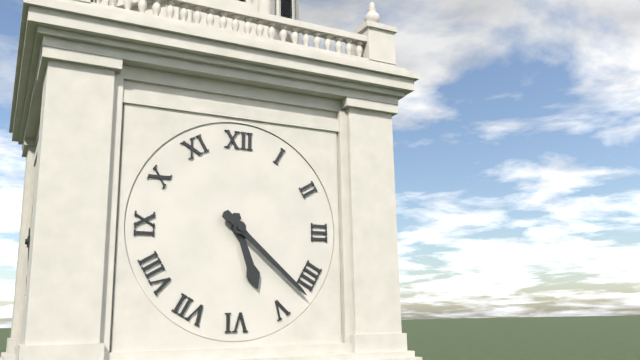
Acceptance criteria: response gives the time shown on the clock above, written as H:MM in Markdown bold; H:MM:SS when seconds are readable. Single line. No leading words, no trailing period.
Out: **5:22**
